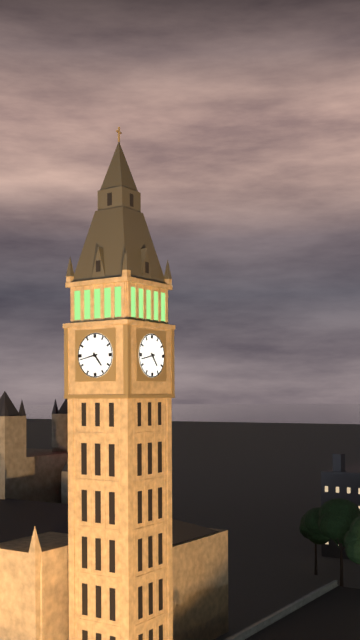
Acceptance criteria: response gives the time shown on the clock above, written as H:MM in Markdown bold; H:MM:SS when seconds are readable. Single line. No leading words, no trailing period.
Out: **4:43**
